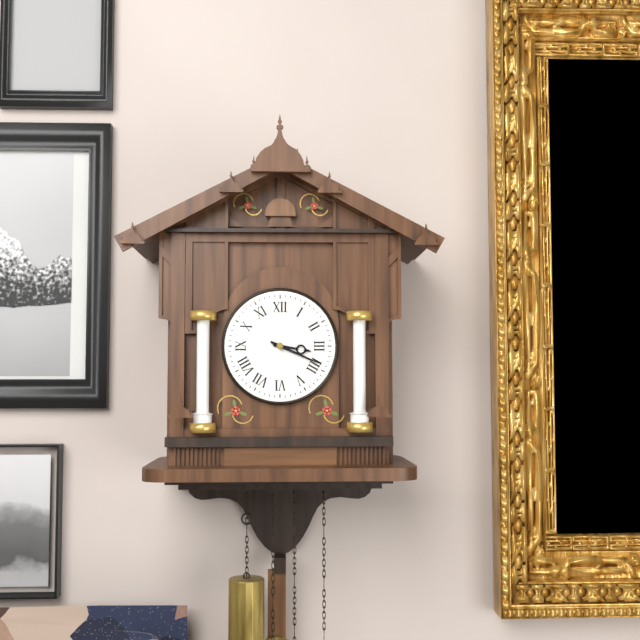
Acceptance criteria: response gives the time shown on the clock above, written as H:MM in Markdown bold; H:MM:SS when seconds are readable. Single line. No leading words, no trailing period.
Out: **3:19**
